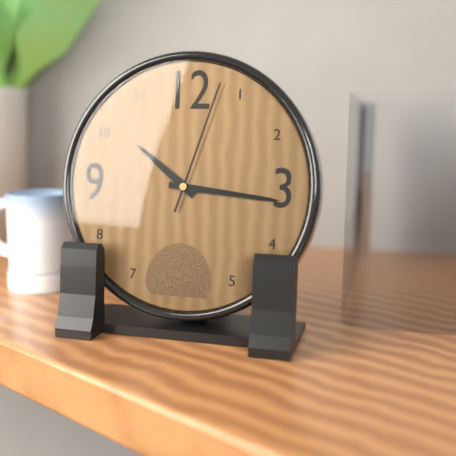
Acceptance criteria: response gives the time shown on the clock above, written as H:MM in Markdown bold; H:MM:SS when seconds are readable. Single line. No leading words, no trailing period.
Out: **10:16:03**
